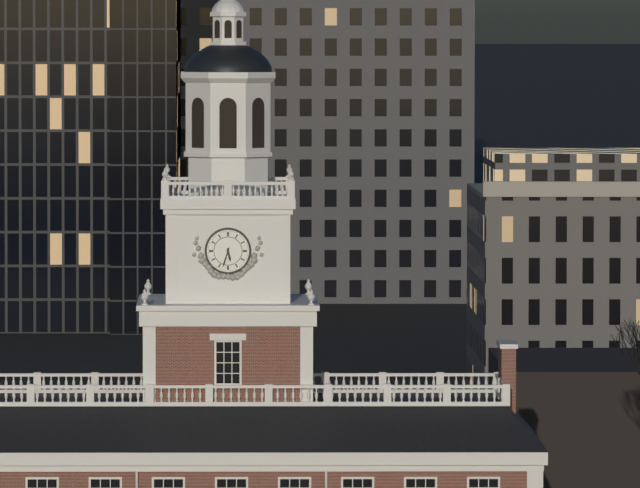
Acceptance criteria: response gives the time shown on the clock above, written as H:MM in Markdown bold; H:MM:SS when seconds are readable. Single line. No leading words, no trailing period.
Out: **5:33**
